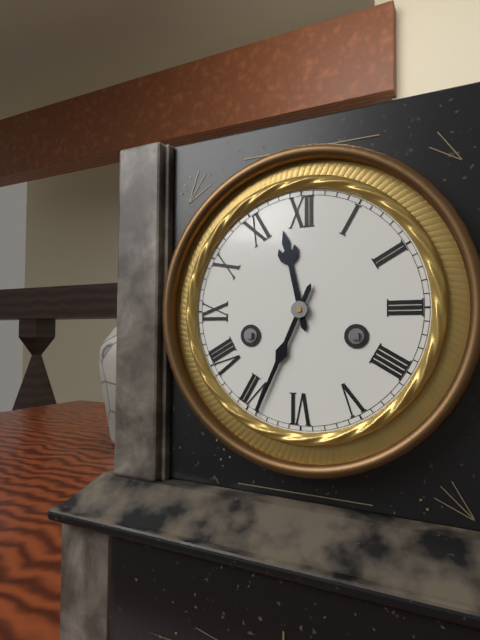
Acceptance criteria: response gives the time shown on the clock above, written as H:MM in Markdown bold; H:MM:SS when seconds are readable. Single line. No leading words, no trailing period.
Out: **11:34**
